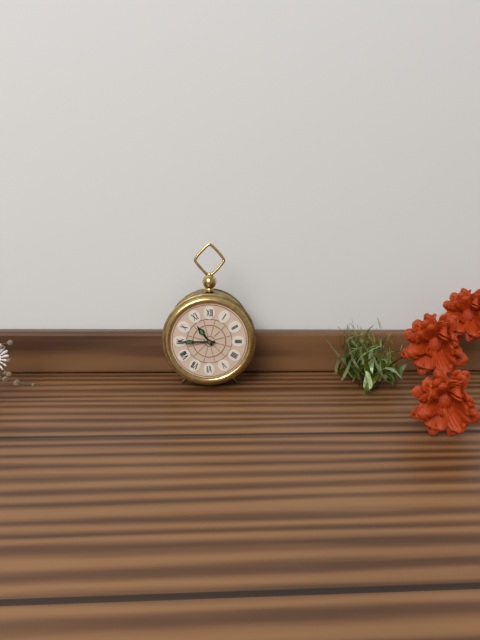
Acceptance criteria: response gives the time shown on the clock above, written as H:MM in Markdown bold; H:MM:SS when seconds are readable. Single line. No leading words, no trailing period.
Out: **10:45**
